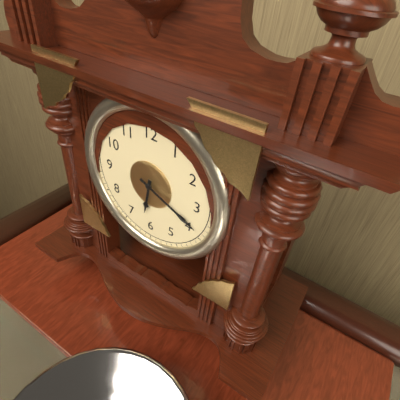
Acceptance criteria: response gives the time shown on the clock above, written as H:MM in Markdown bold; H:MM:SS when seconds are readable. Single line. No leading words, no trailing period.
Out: **6:19**
